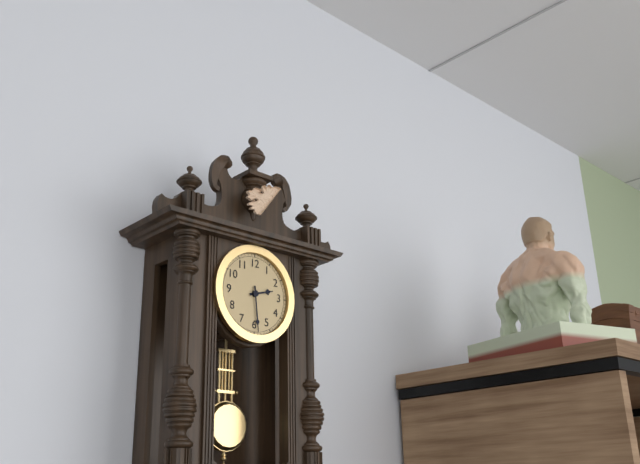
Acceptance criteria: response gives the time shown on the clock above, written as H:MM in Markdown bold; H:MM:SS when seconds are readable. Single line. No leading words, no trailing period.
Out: **2:29**
